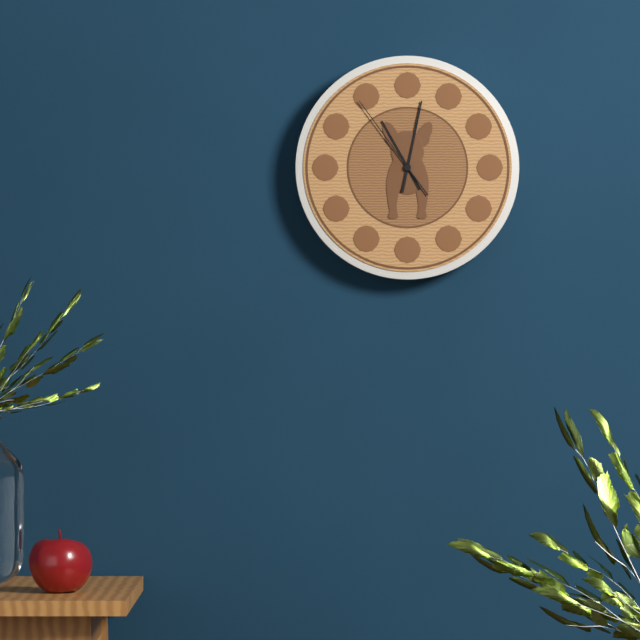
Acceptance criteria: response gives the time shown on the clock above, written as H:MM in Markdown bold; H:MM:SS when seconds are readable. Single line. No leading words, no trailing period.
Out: **11:02:54**
